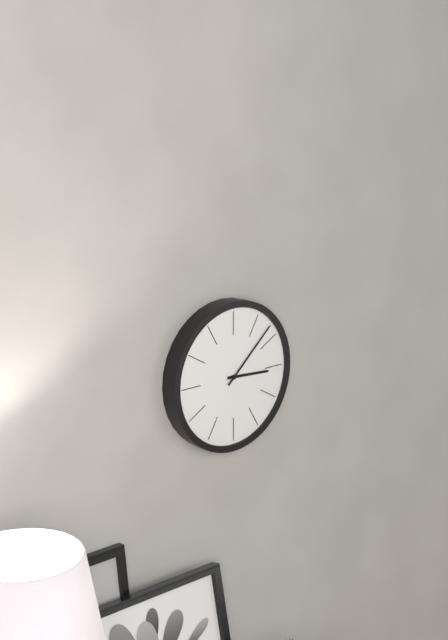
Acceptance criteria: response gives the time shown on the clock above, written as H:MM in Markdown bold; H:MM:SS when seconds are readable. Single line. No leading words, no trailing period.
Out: **3:08**
